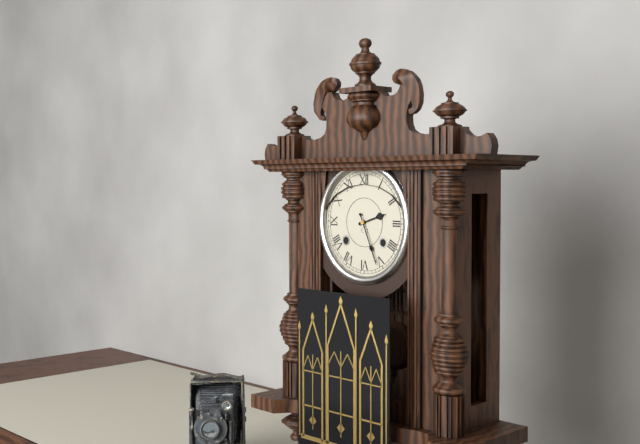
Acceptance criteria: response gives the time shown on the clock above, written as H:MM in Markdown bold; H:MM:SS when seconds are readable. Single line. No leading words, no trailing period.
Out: **2:26**
